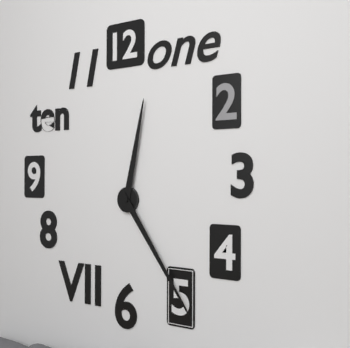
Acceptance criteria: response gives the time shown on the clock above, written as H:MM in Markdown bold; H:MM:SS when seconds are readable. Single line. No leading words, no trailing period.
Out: **12:24**
